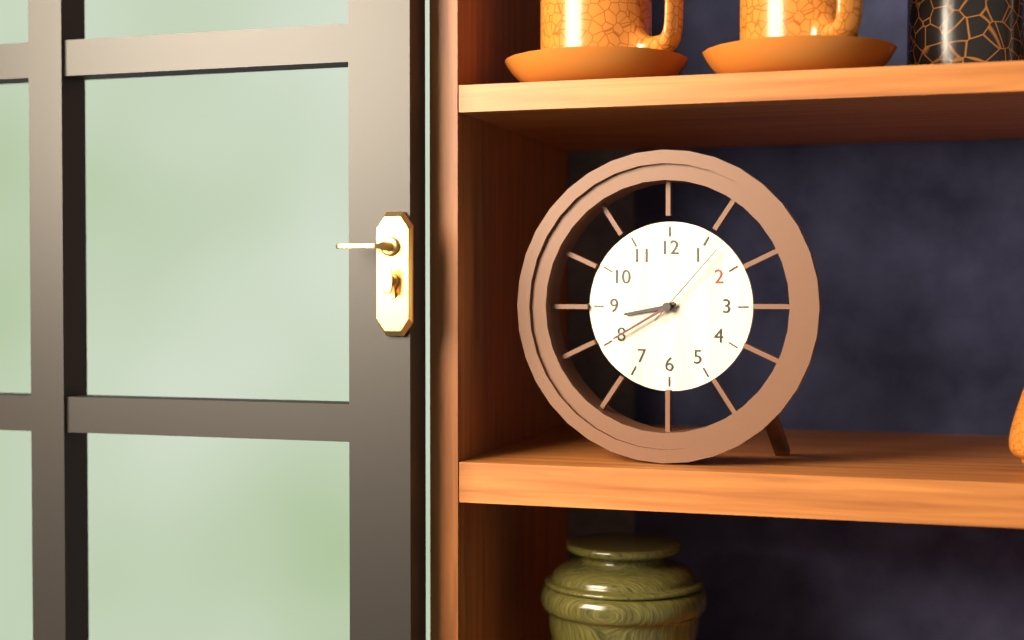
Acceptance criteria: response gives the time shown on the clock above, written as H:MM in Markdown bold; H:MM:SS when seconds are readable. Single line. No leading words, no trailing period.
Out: **8:40:07**
